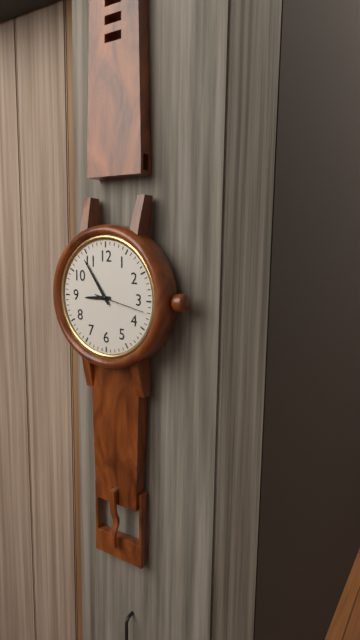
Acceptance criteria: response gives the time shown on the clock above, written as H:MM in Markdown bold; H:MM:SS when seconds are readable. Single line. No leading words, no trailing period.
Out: **8:54:17**
